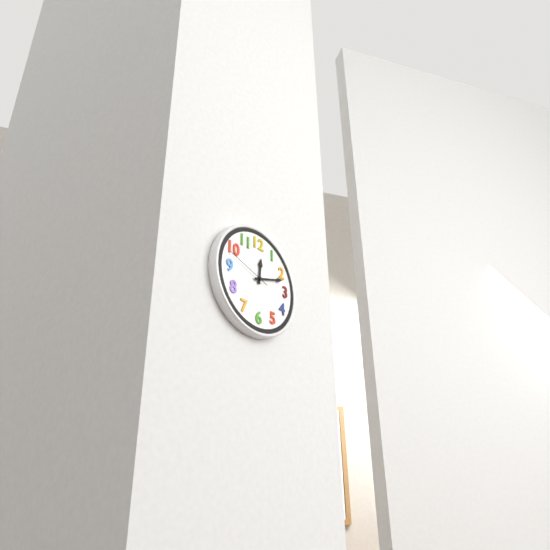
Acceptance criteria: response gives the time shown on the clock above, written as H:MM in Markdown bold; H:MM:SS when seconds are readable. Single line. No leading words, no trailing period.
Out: **12:12:48**
